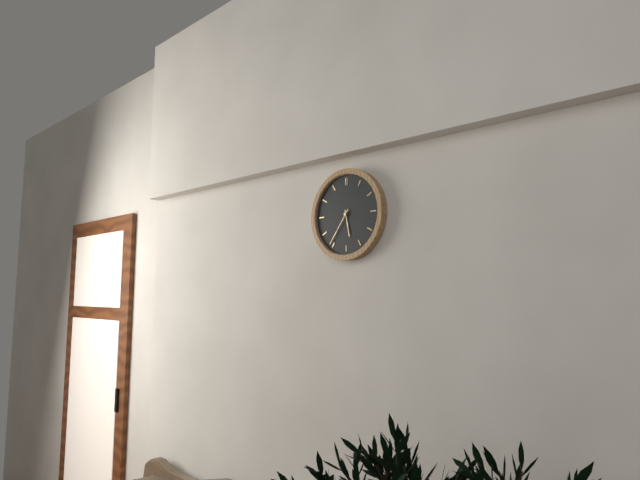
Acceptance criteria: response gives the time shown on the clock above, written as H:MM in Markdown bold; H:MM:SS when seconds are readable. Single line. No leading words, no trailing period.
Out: **5:36**
